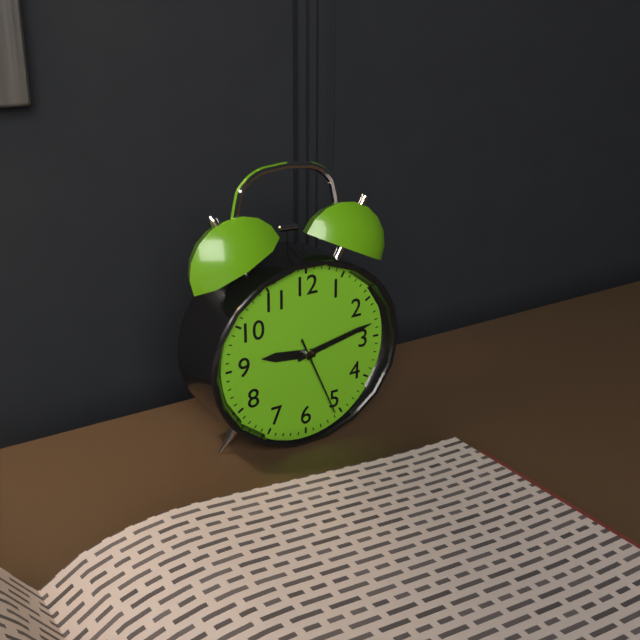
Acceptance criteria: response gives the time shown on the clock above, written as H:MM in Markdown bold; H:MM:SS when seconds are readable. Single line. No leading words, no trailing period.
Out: **9:13:26**
